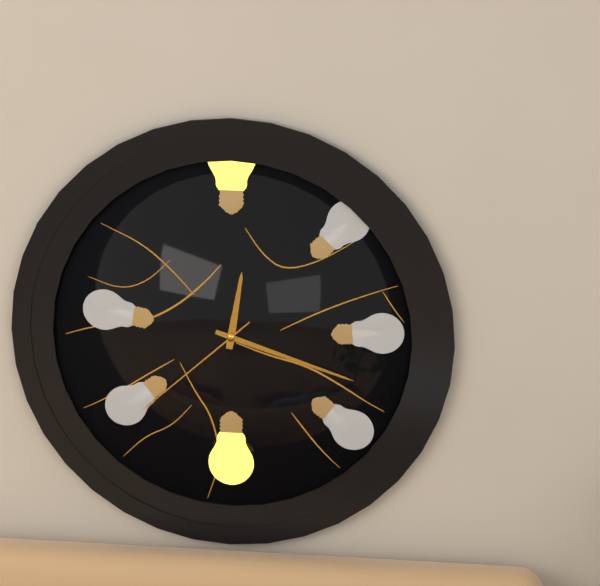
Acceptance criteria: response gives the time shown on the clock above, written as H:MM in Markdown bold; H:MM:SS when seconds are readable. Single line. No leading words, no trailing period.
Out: **12:18:38**
